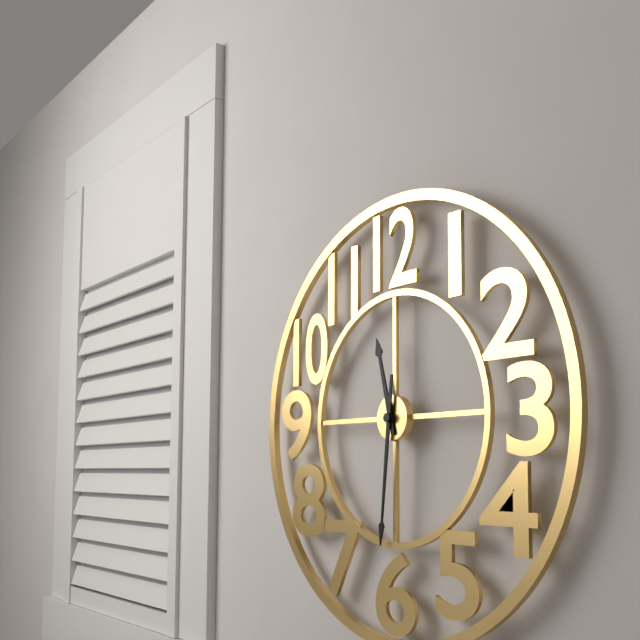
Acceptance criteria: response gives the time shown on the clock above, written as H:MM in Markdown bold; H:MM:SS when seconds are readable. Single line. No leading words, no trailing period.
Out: **11:31**
